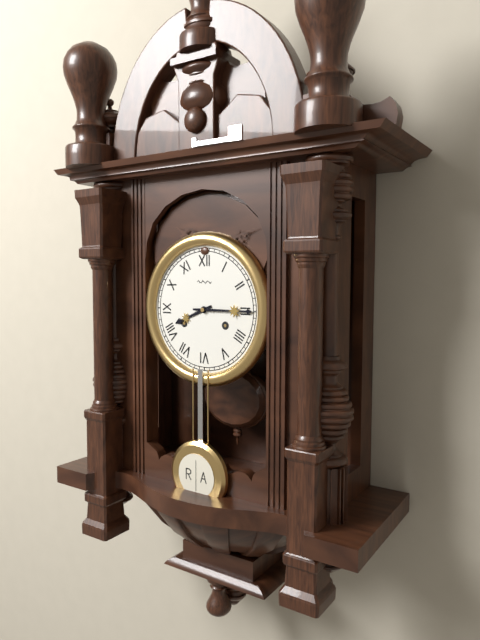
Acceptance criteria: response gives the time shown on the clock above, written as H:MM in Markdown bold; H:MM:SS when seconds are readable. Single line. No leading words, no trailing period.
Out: **8:15**
